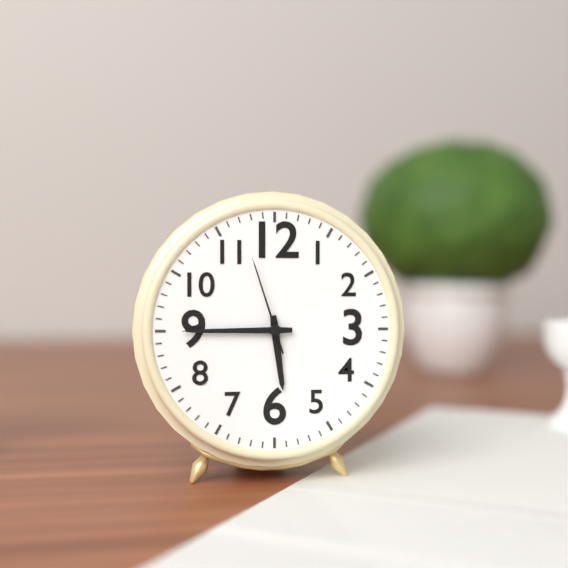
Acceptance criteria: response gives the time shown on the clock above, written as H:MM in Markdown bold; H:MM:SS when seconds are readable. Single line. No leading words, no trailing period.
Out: **5:45:57**
